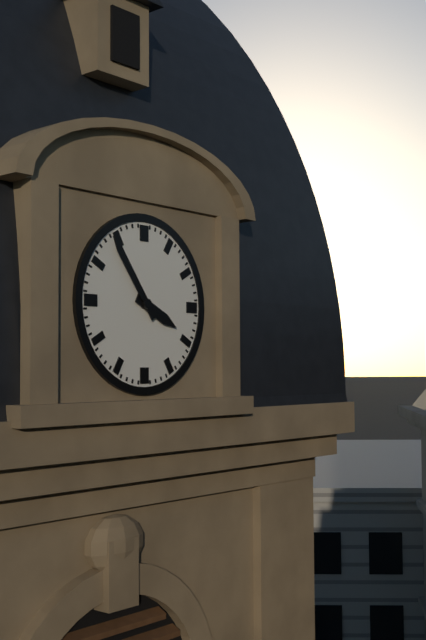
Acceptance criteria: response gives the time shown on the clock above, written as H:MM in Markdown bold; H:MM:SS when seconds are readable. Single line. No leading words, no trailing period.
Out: **3:54**
